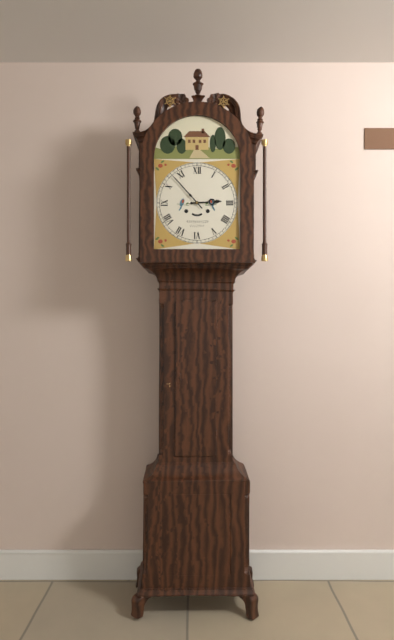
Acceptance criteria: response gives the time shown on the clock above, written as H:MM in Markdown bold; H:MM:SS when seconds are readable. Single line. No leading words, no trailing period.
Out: **2:53**
